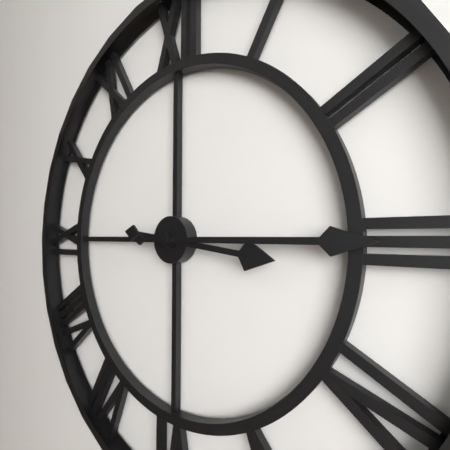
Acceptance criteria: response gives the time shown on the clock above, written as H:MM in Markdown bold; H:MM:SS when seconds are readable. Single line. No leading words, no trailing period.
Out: **3:15**
